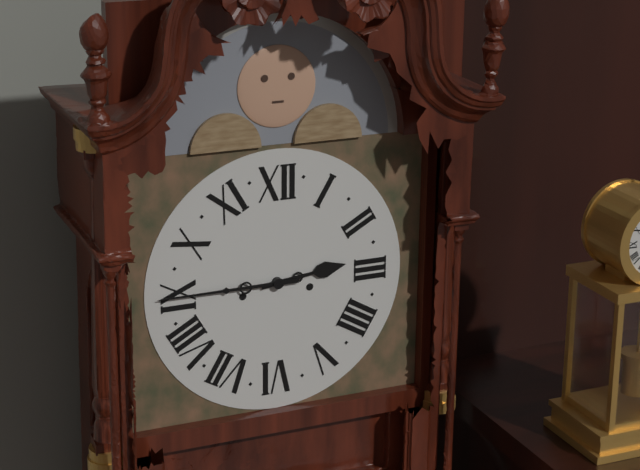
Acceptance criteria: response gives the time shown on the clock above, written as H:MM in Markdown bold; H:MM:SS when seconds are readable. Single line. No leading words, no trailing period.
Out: **2:45**
